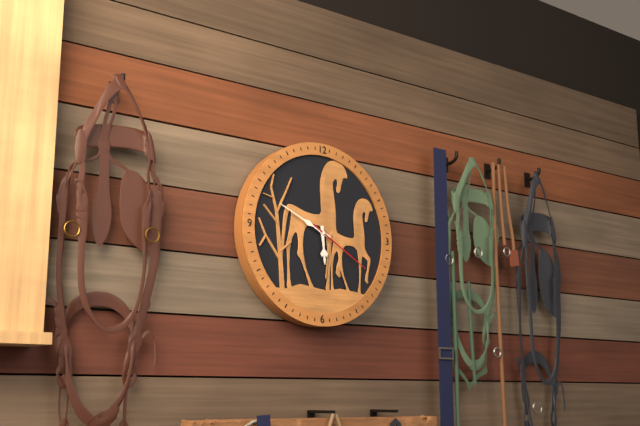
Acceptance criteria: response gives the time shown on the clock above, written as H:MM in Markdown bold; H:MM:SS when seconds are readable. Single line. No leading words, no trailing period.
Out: **5:49:20**
